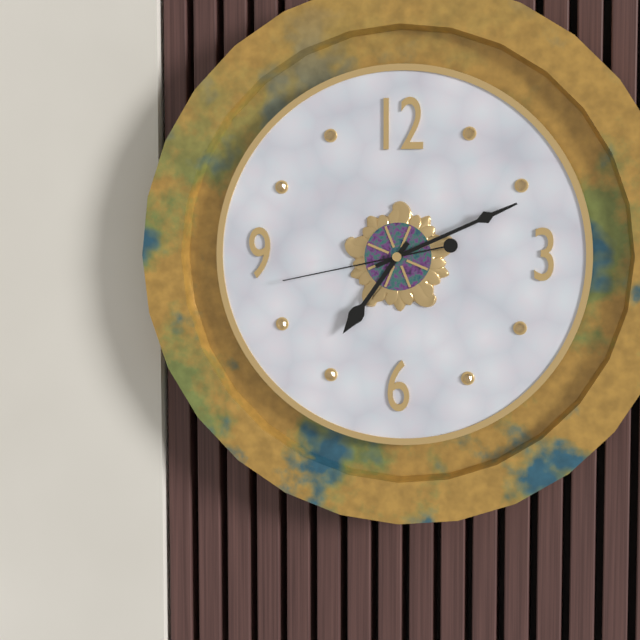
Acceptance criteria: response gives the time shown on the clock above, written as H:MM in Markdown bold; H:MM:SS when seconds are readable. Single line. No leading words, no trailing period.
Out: **7:11:43**
